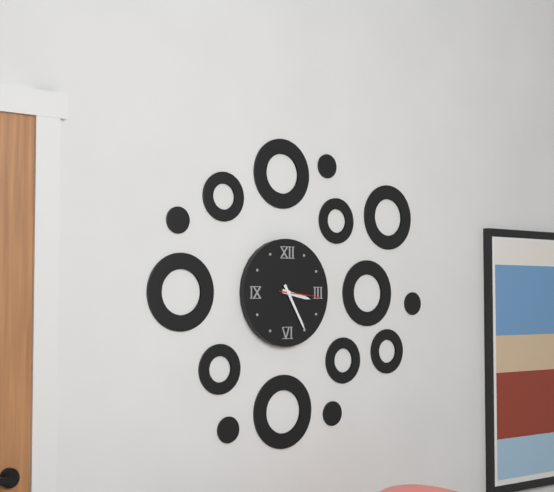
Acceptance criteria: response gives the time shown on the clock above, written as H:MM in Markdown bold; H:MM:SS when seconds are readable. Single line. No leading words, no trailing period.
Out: **3:25**
